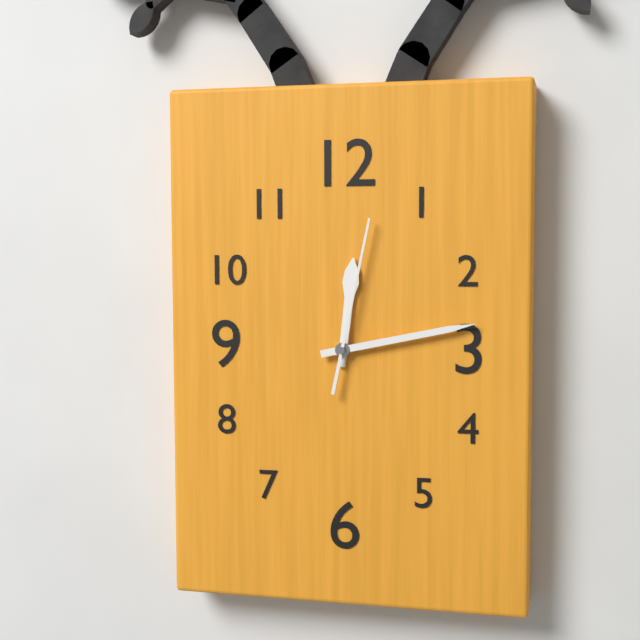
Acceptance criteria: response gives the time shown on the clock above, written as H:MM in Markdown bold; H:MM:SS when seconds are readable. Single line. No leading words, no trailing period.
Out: **12:13:02**
